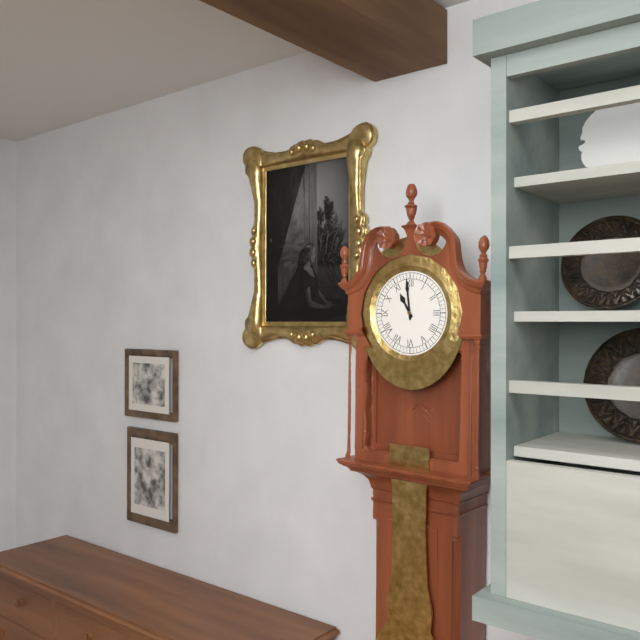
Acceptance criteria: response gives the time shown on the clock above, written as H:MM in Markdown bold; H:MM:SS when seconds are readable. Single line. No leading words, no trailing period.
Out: **10:59**
